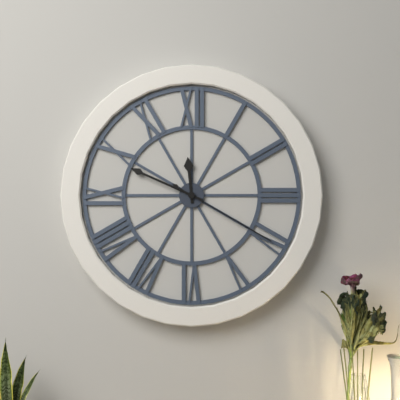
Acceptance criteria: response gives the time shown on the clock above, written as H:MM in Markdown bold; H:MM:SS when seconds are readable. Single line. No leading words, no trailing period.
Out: **11:49:20**
